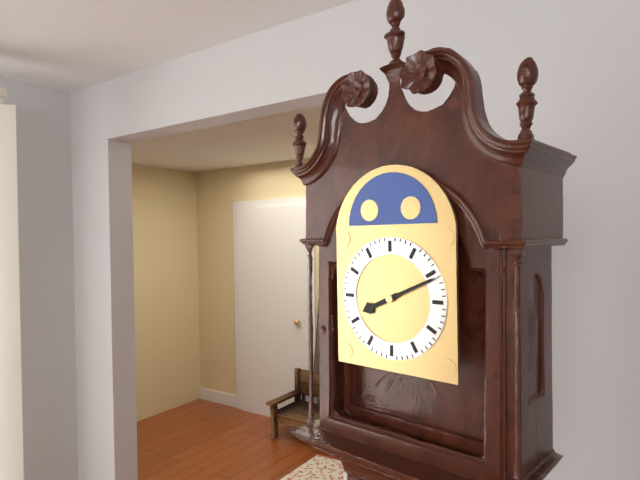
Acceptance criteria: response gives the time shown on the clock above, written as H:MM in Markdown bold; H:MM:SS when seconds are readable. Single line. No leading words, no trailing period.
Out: **8:11**
